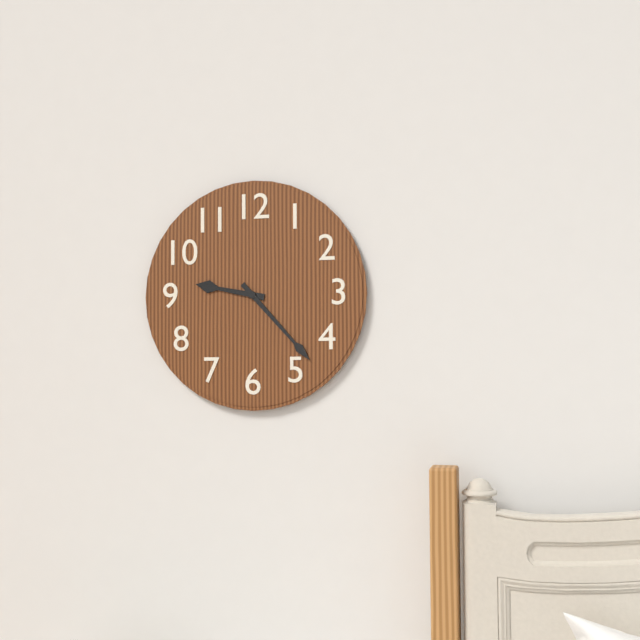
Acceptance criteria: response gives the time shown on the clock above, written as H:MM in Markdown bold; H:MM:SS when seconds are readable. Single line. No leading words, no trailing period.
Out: **9:23**
